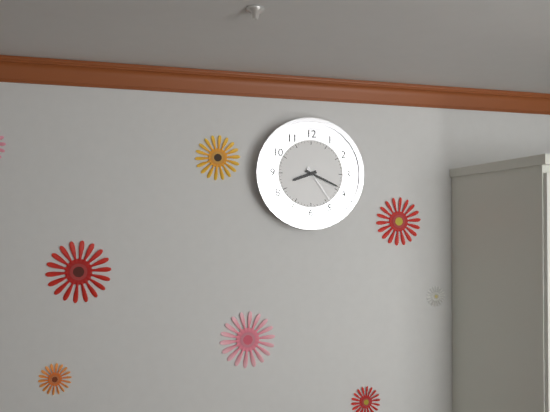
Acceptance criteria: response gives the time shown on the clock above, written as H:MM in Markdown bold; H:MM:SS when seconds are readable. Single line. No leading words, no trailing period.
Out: **8:19**
